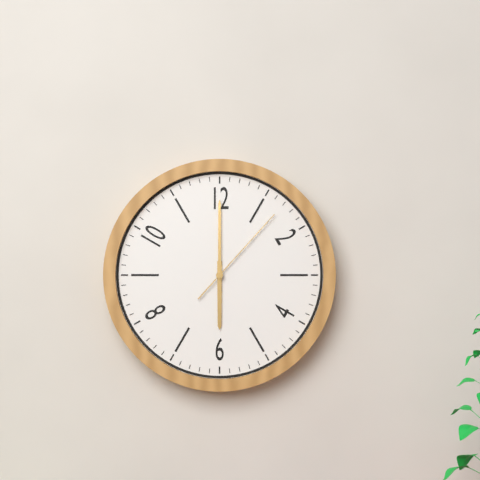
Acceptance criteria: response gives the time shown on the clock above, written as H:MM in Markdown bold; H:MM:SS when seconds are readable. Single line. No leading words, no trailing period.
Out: **6:00:07**
